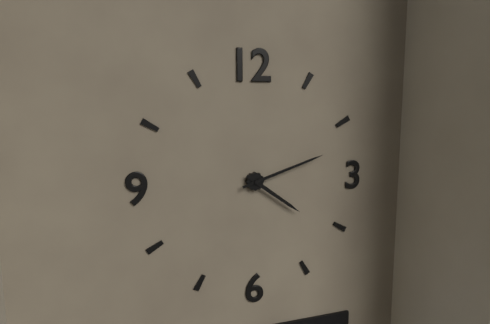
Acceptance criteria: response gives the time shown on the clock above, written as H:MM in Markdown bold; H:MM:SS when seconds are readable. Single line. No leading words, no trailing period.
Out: **4:12**
